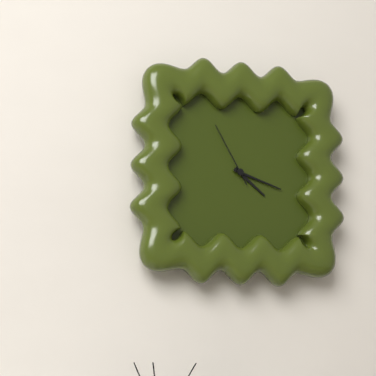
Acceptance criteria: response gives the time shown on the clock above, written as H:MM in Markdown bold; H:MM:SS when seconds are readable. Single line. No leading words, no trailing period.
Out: **4:18:55**
